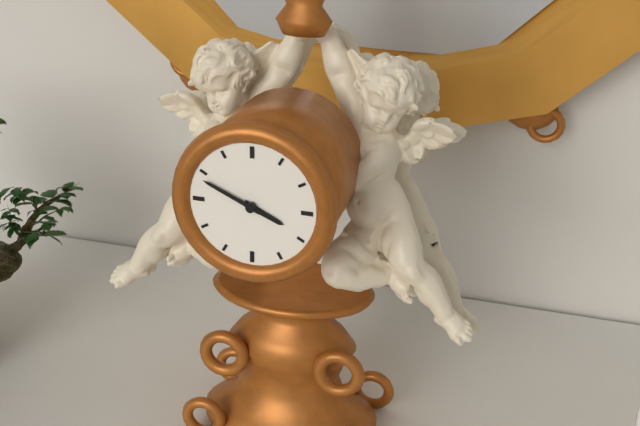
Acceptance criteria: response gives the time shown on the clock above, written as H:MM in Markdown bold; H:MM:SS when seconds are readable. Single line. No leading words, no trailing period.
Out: **3:49**
